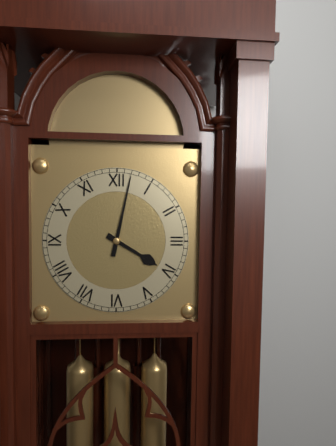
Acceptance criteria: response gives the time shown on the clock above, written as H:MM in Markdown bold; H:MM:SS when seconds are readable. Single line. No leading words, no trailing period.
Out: **4:02**
